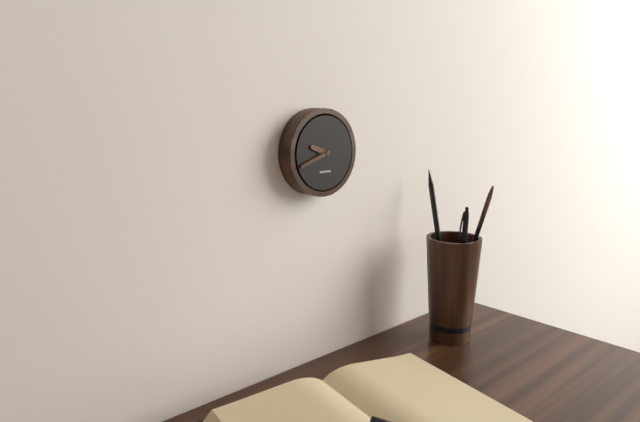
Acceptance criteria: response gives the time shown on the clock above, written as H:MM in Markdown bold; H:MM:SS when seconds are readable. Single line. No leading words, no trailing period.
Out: **9:42**
